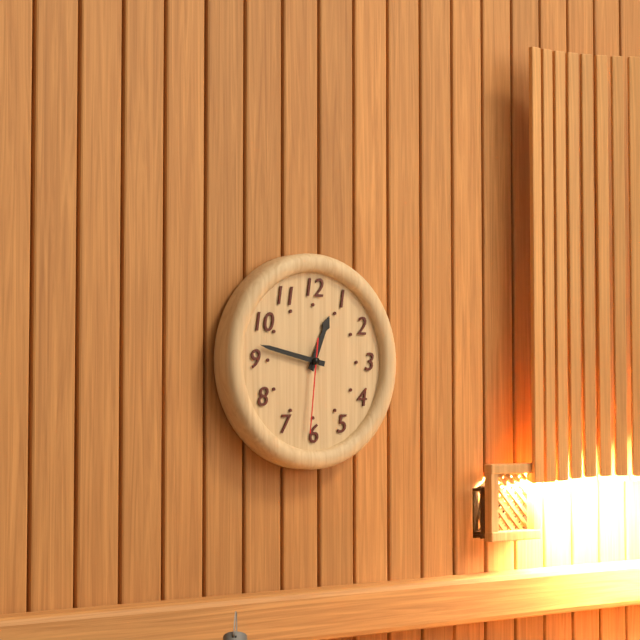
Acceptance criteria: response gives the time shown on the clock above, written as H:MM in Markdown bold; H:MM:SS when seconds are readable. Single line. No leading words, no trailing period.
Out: **12:47:31**
